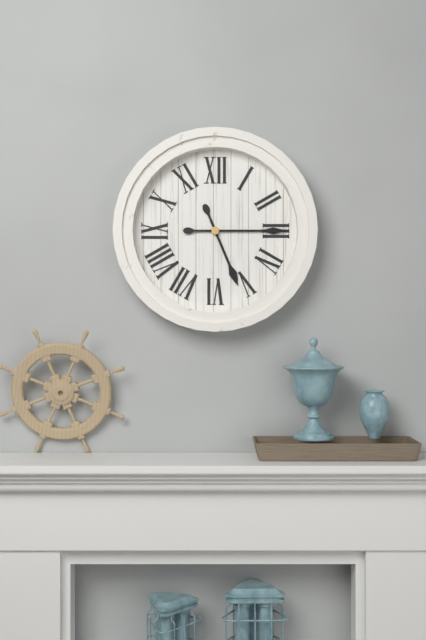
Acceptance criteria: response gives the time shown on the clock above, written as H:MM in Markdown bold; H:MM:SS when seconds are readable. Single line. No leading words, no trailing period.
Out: **5:15**
